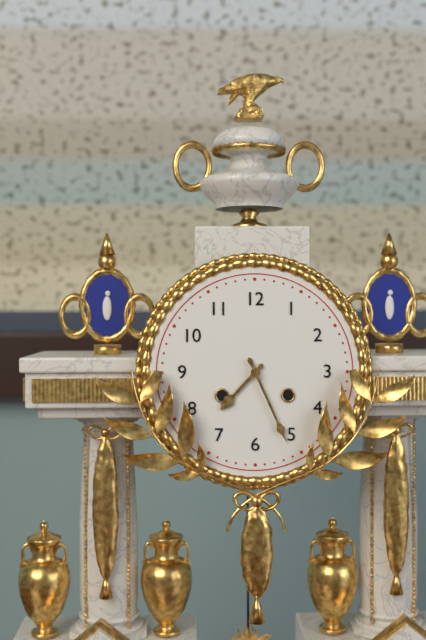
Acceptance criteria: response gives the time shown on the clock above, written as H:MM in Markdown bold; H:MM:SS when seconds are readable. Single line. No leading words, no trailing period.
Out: **7:26**
